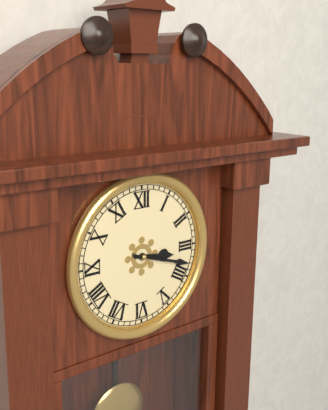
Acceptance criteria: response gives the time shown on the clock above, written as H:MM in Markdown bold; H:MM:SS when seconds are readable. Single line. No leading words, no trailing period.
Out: **3:18**
